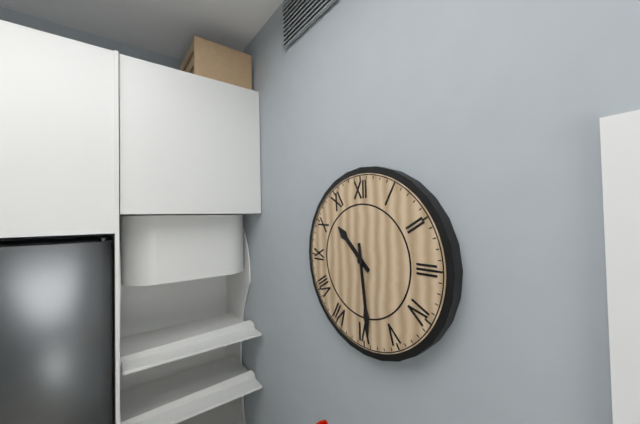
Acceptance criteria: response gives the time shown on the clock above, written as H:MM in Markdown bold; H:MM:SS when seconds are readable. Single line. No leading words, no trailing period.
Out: **10:29**
